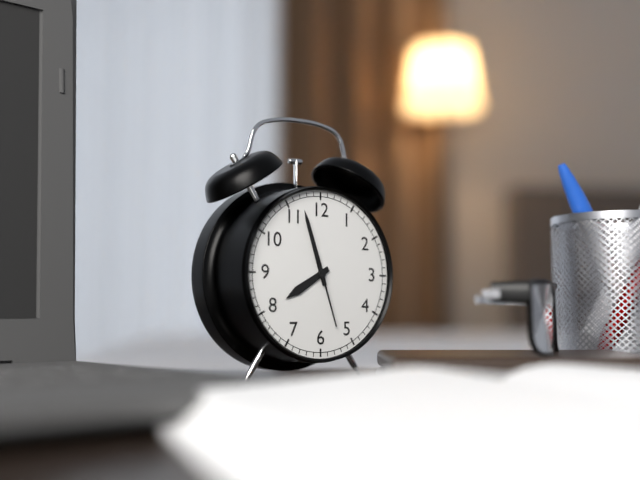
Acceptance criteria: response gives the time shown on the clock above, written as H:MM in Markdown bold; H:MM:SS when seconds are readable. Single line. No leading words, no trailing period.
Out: **7:57:27**
